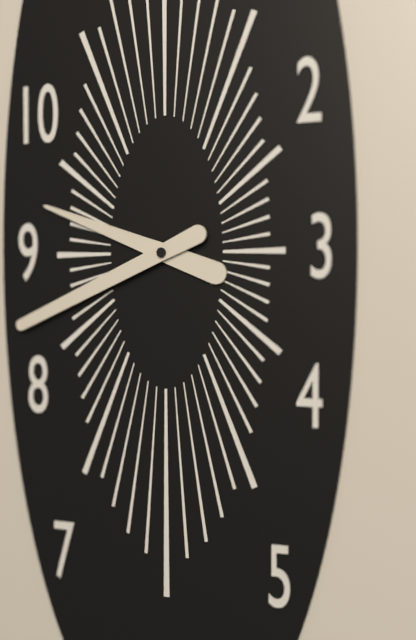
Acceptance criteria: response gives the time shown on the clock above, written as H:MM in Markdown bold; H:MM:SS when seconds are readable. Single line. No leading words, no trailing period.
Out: **9:41**
